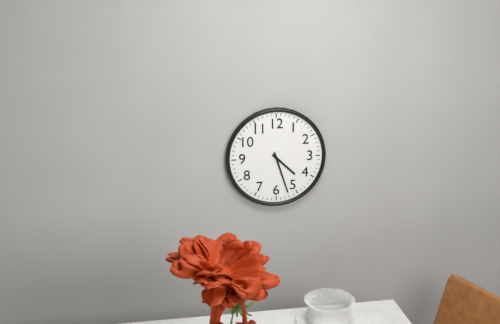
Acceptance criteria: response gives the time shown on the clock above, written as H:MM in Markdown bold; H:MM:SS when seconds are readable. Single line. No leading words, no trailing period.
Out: **4:27**
